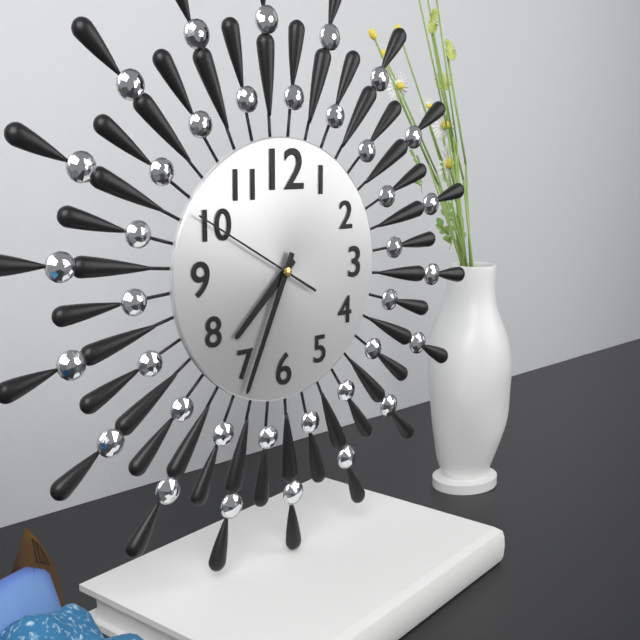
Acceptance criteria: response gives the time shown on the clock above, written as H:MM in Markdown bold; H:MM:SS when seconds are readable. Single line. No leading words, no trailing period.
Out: **7:34:50**
